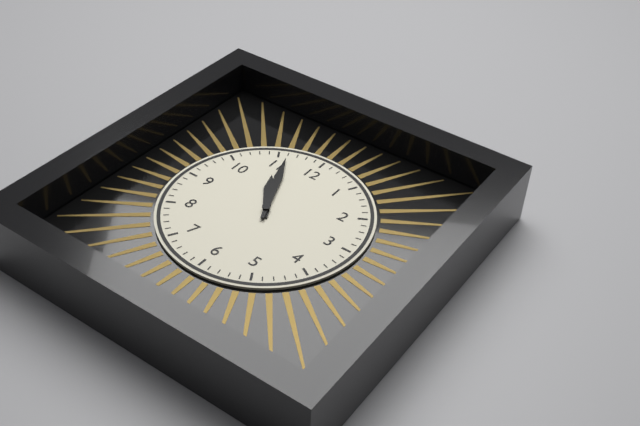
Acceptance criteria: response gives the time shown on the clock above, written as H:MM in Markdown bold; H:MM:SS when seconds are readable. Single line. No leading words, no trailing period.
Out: **10:56**
